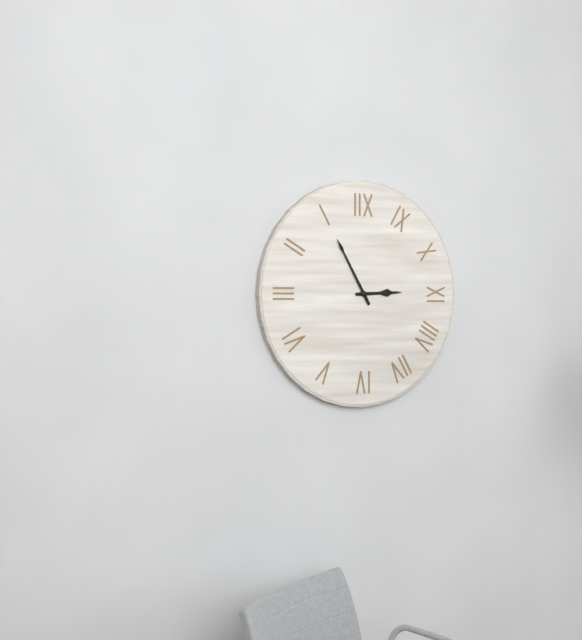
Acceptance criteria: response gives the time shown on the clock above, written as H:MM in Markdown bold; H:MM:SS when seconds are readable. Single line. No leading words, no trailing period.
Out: **2:55**
